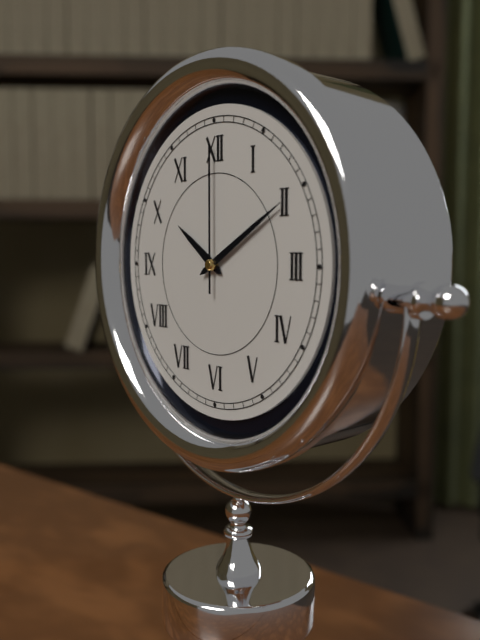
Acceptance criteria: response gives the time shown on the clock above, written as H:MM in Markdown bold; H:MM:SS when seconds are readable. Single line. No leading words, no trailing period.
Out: **10:10:00**
